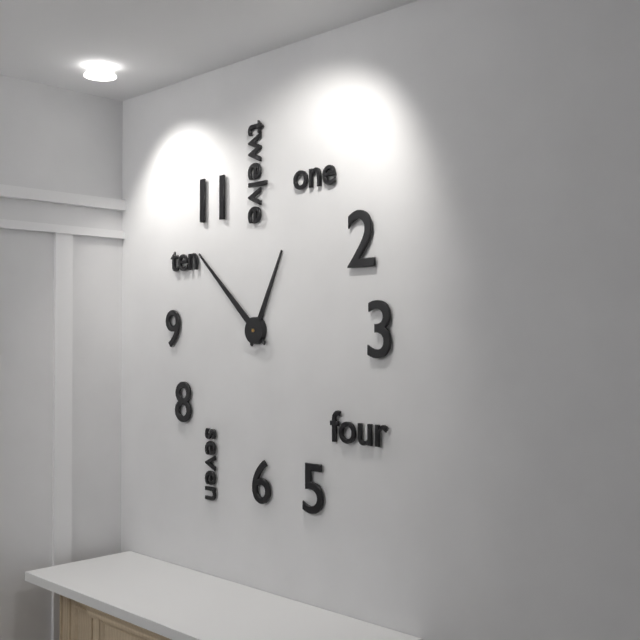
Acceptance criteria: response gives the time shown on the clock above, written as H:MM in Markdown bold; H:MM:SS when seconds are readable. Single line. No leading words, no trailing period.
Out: **12:52**
